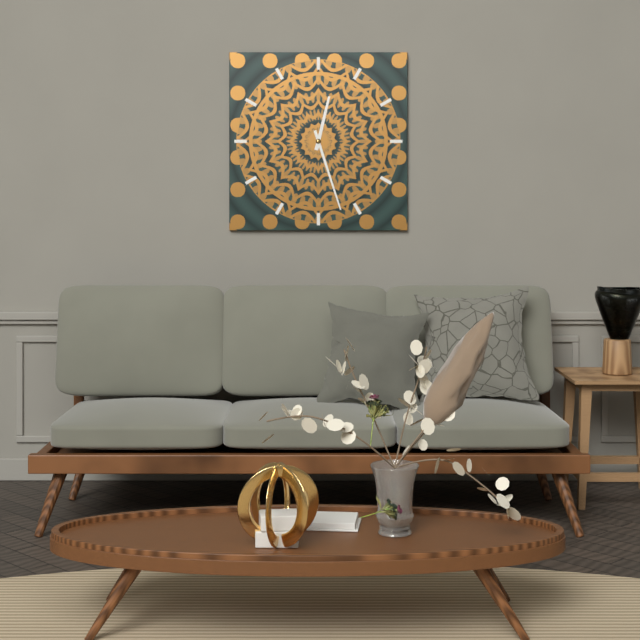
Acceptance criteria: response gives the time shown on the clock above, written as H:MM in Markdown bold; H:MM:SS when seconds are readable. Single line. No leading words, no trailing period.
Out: **12:27**
